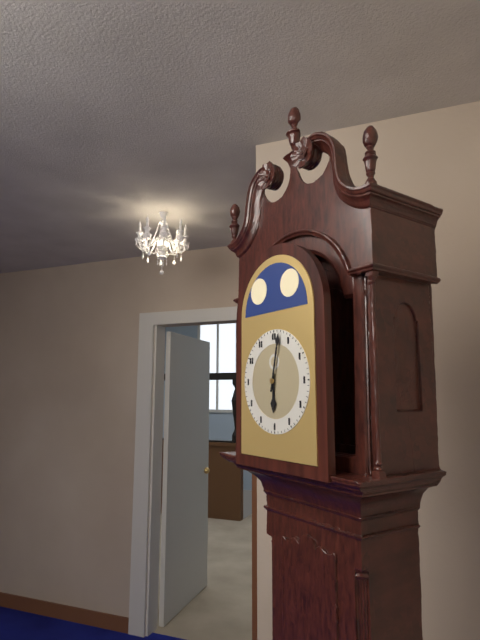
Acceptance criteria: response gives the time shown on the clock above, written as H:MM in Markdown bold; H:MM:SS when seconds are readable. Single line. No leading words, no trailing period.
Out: **6:02**
